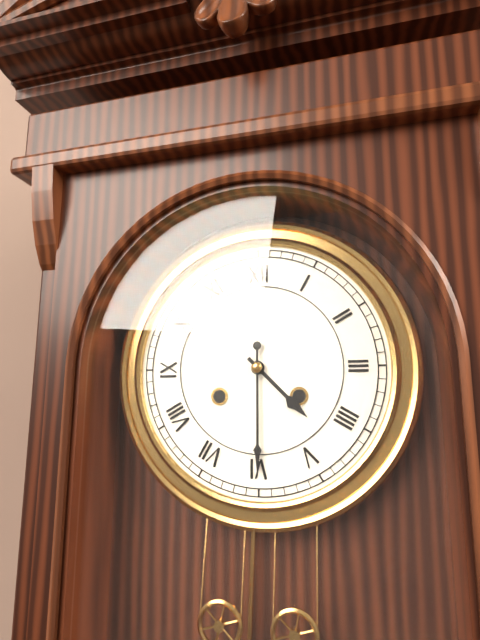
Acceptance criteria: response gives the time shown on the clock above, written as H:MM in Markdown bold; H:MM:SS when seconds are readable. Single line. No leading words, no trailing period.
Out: **4:30**
